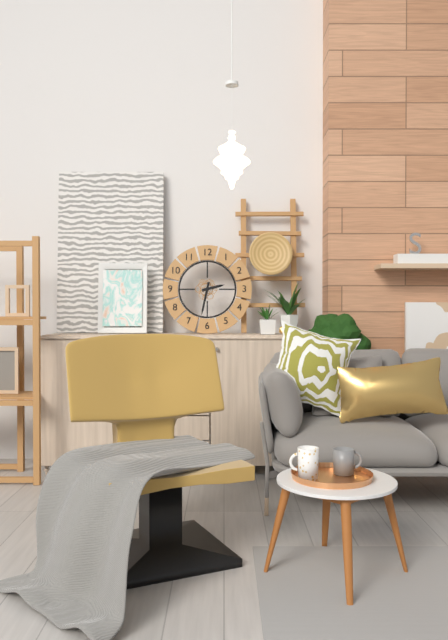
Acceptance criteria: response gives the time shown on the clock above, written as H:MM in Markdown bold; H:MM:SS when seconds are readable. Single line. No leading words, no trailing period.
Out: **2:32**
